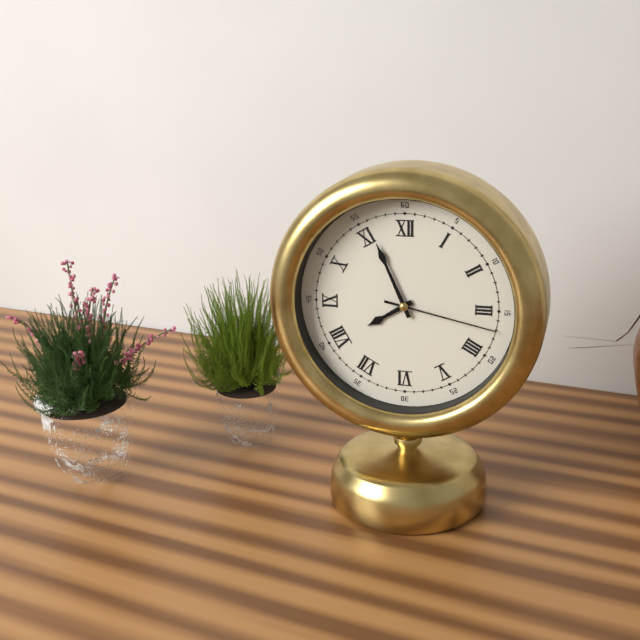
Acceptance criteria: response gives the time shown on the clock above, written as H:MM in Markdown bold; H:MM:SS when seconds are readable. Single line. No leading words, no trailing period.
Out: **7:56:17**
